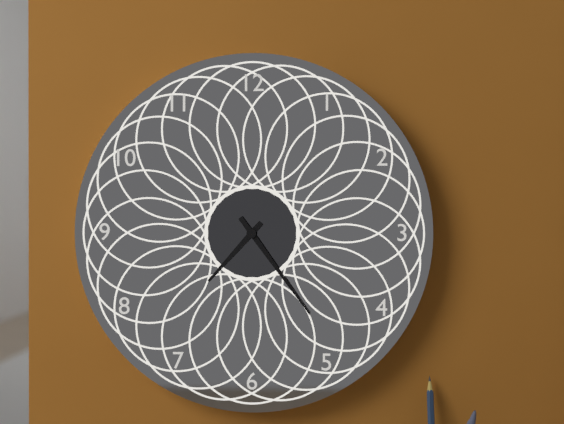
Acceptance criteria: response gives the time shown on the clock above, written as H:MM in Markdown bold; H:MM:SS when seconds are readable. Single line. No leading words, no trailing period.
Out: **7:24**
